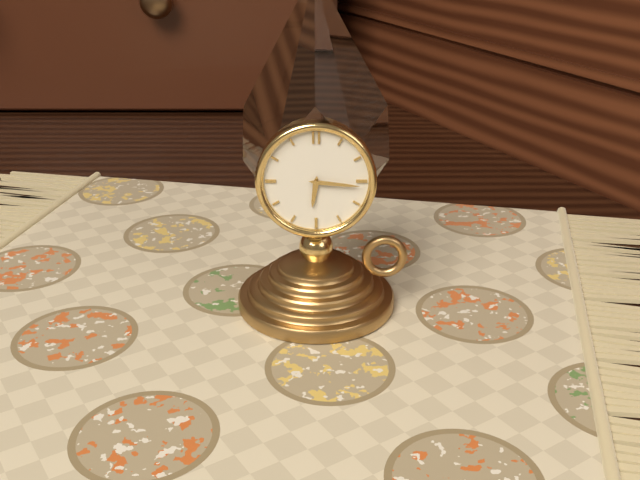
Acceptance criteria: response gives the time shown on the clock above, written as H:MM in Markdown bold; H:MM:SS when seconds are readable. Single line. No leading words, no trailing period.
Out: **6:16**
